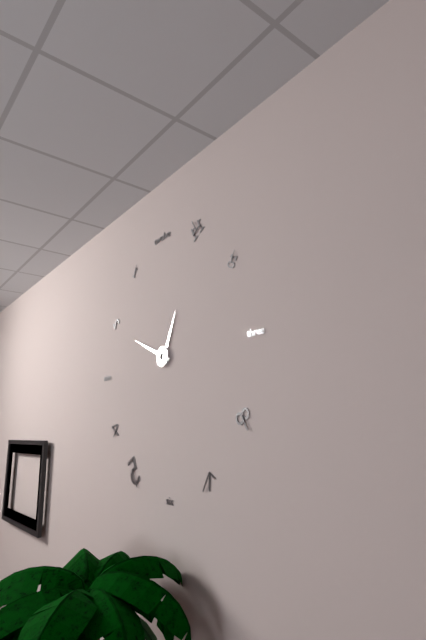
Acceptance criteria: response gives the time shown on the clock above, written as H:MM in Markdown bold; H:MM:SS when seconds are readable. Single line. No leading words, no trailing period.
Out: **12:49**
